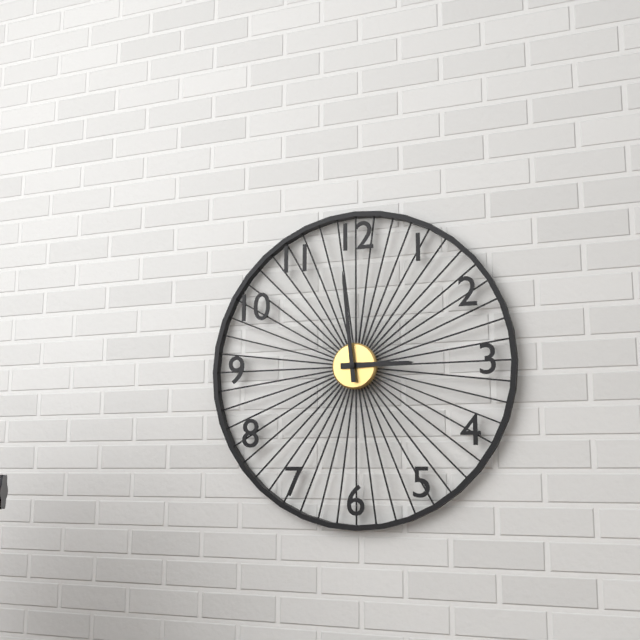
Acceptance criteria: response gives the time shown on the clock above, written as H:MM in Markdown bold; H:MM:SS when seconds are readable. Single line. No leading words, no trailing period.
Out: **2:59**
